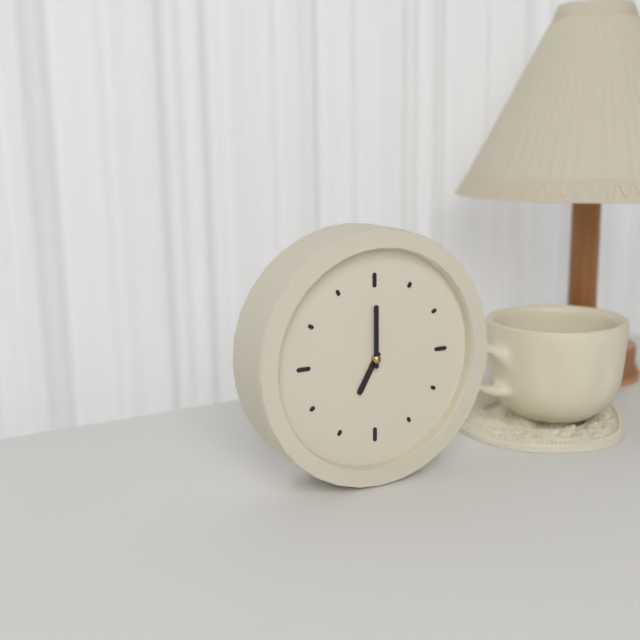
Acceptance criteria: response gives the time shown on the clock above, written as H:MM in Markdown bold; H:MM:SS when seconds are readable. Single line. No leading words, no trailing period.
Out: **7:00**
